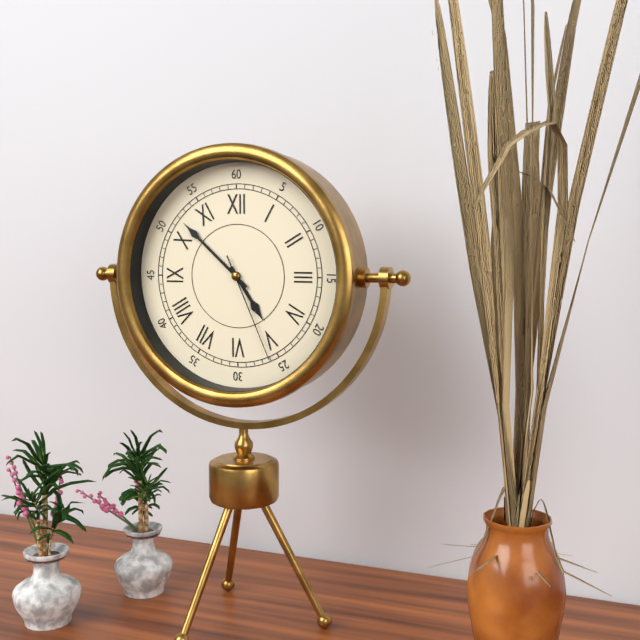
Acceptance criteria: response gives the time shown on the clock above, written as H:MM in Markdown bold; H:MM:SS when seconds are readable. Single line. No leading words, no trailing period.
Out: **4:52:26**
